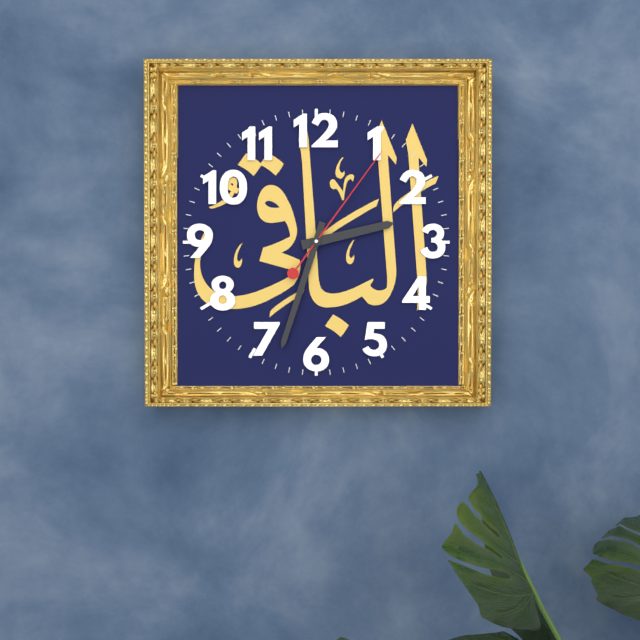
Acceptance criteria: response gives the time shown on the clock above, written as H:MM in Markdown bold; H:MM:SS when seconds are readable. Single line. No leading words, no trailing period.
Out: **2:33:06**
